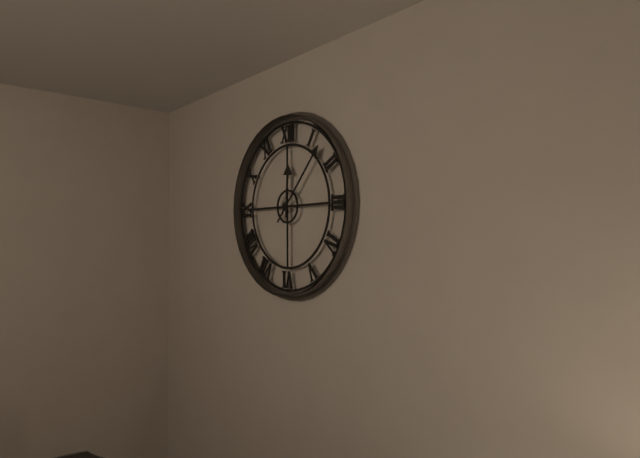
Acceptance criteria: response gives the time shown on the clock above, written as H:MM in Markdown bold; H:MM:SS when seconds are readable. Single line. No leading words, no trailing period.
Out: **12:07**
